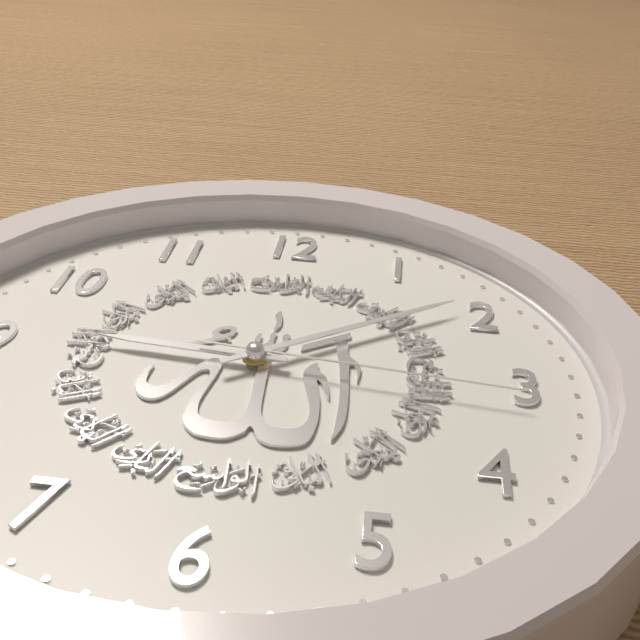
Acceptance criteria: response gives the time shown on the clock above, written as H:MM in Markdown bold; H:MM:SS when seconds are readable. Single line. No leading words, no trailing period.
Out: **9:09:16**
